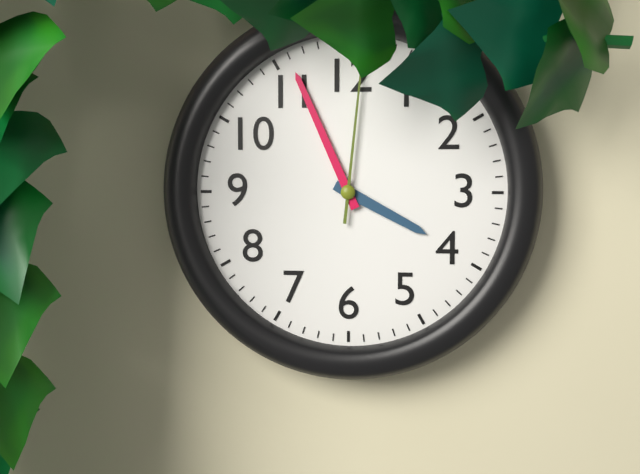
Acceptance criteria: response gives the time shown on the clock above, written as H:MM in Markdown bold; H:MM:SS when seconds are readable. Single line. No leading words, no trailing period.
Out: **3:56:01**
